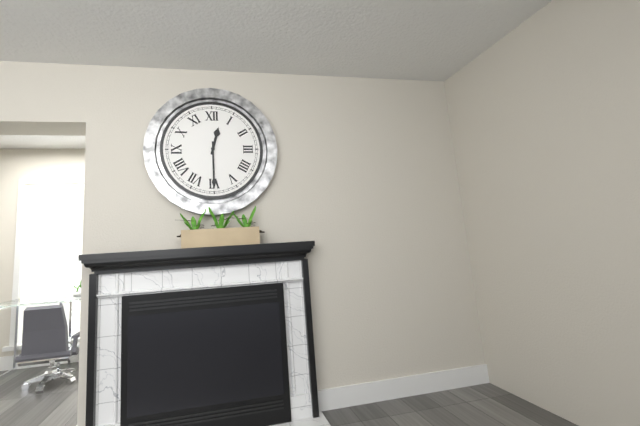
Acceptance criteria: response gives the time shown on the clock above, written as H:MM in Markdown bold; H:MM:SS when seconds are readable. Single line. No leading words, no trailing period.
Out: **12:30**
